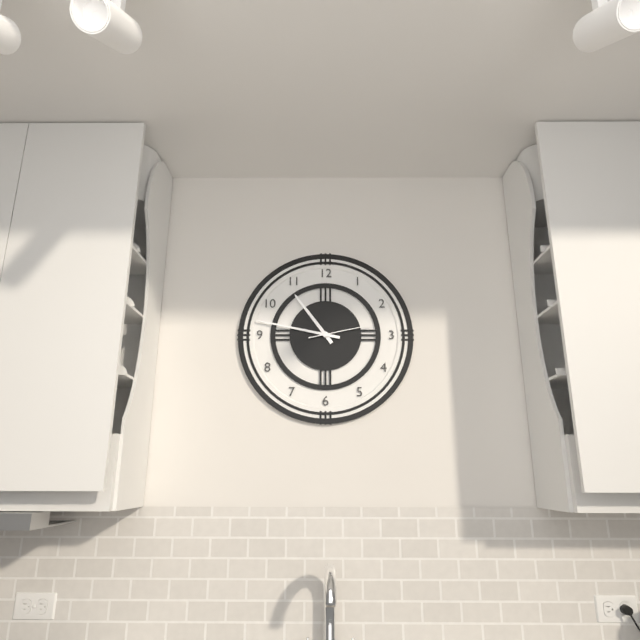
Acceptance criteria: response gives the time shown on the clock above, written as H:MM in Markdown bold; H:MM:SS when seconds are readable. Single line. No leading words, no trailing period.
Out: **10:47:13**
